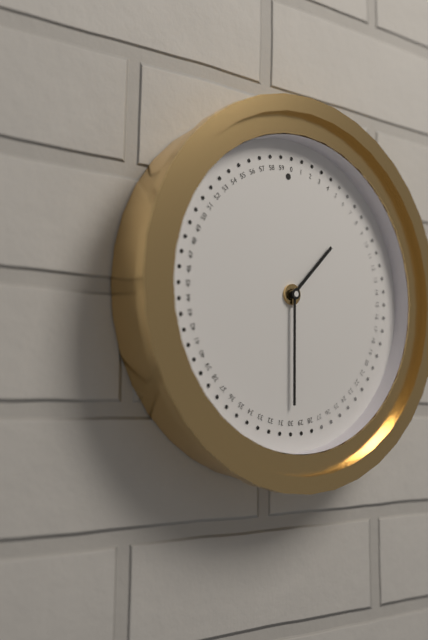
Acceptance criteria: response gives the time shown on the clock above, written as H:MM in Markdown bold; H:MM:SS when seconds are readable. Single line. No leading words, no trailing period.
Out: **1:30**
